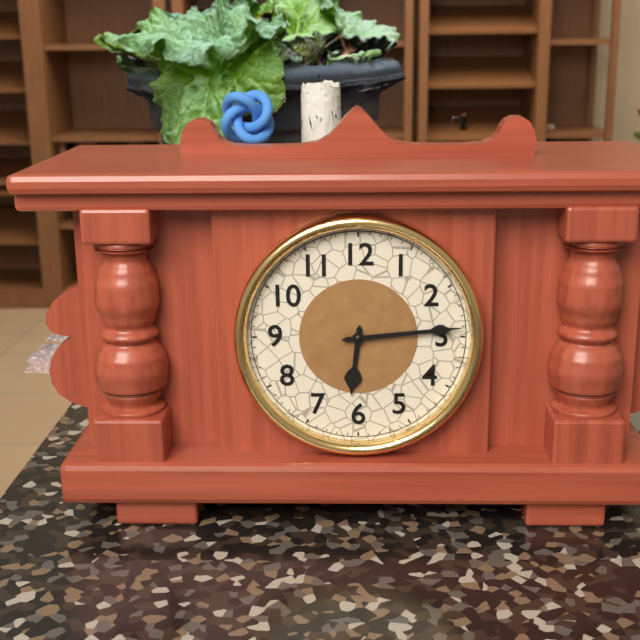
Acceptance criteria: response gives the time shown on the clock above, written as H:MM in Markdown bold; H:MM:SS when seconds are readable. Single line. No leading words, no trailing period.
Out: **6:14**
